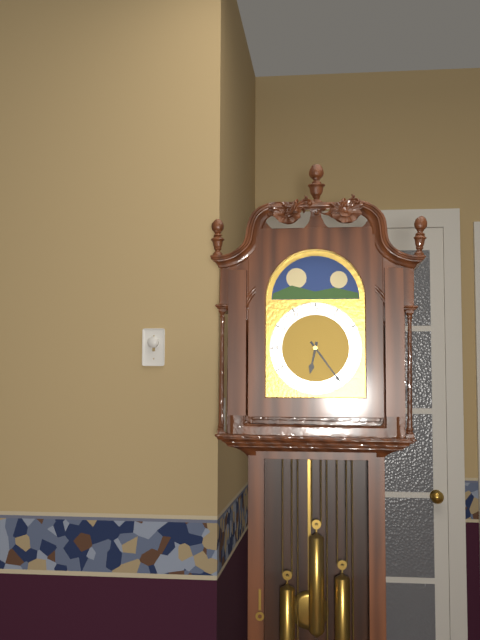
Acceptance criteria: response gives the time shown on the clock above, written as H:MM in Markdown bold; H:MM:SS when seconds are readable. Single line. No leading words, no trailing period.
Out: **6:24**
